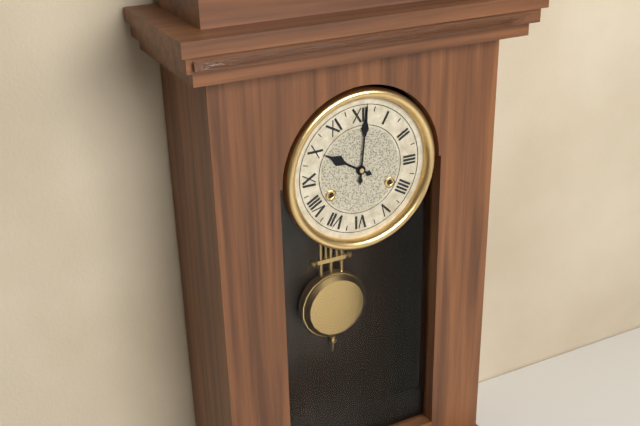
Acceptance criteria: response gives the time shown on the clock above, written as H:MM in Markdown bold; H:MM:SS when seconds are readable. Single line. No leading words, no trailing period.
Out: **10:01**
